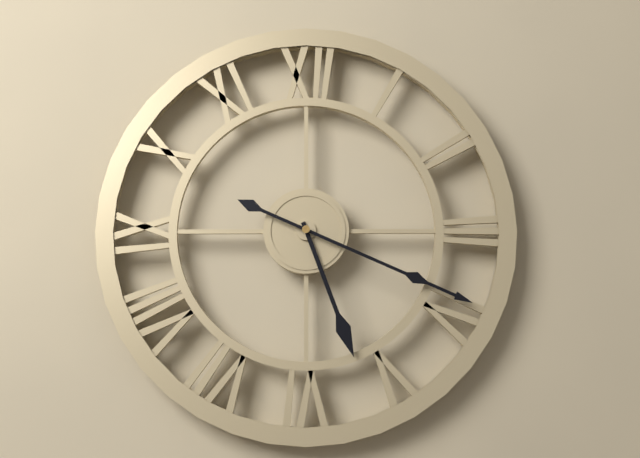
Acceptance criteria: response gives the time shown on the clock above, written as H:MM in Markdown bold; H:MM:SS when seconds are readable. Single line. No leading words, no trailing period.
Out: **5:19**
